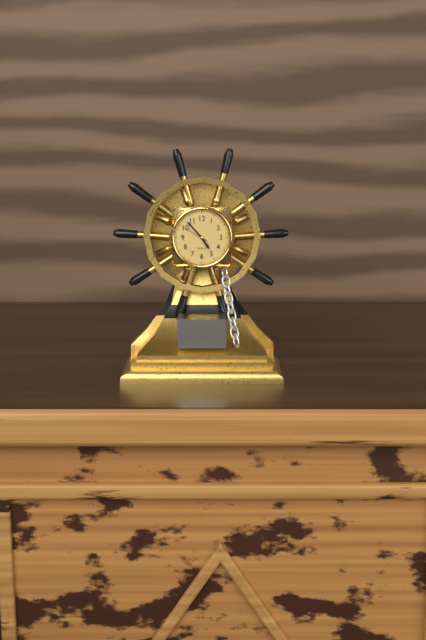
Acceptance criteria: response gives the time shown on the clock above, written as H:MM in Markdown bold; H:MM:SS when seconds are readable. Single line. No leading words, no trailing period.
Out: **4:53**
